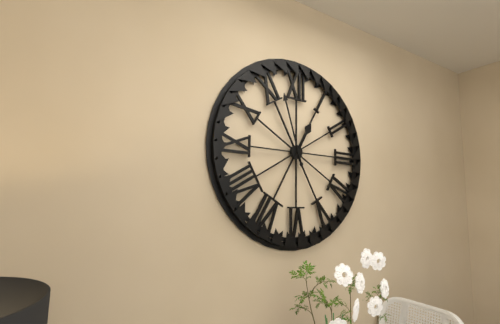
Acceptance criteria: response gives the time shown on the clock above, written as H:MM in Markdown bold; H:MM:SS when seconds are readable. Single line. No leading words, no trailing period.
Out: **12:57**
